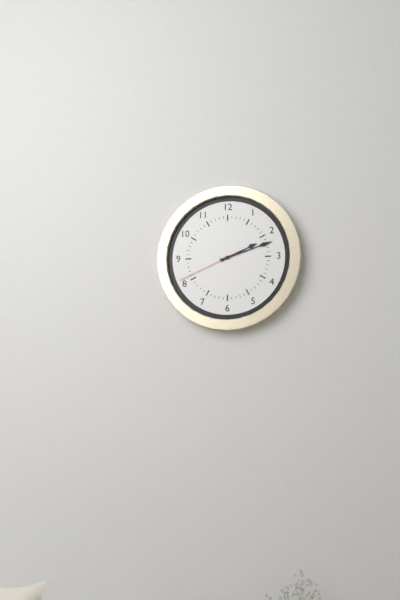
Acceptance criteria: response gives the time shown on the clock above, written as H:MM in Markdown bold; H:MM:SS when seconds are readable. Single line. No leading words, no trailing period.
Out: **2:12:41**
